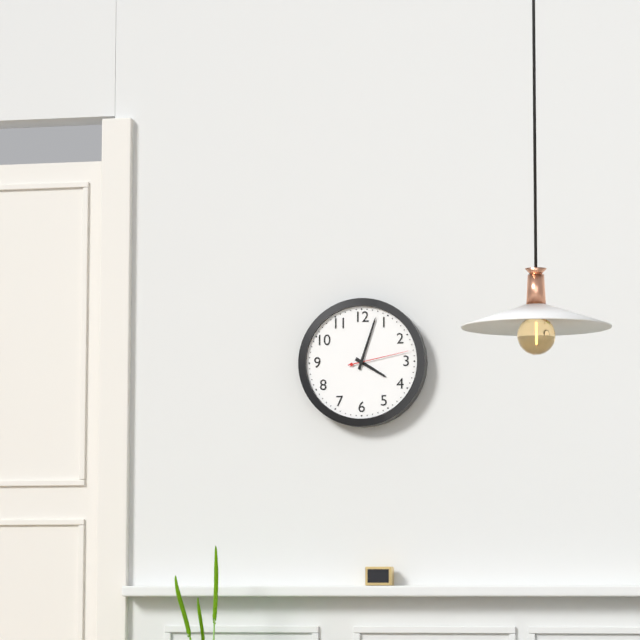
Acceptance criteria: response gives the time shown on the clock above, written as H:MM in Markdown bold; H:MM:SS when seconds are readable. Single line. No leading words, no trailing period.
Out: **4:03:13**
